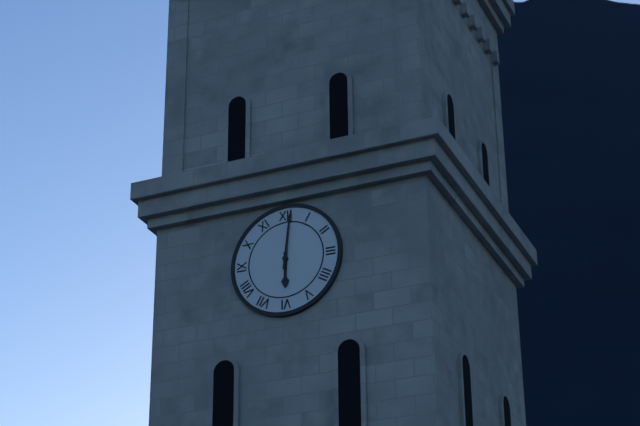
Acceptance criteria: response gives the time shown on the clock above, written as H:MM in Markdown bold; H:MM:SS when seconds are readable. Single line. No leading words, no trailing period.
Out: **6:01**
